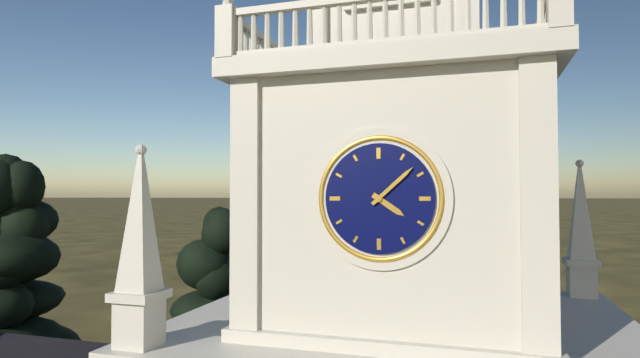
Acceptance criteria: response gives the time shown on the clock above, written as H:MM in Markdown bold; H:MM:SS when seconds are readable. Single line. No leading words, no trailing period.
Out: **4:08**
